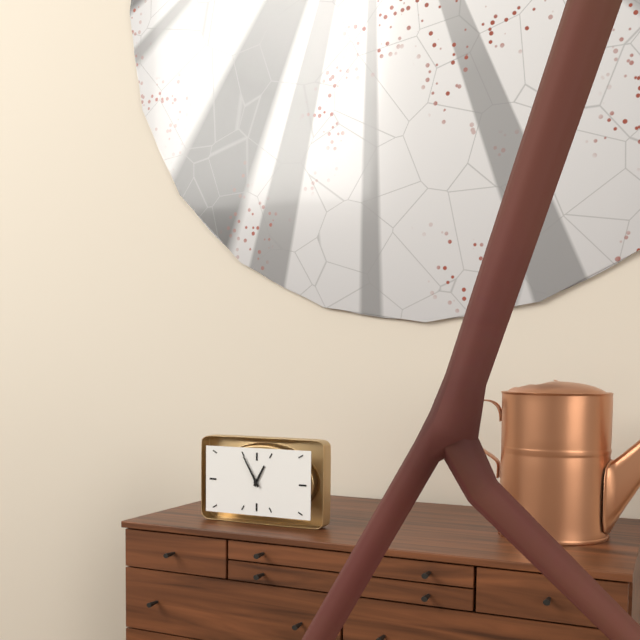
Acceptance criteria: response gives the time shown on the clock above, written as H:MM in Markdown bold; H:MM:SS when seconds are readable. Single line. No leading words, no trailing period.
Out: **12:55**
